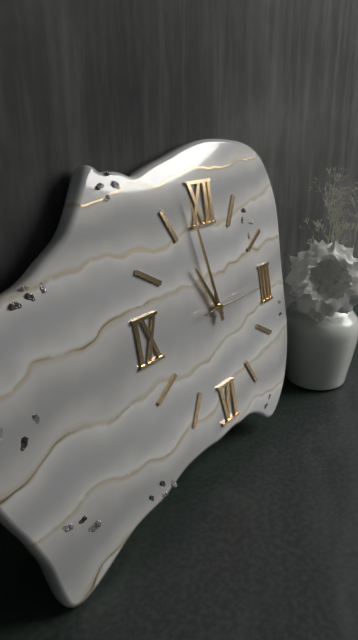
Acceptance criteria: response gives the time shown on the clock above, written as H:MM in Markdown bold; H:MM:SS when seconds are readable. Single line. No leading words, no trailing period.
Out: **10:58:15**
